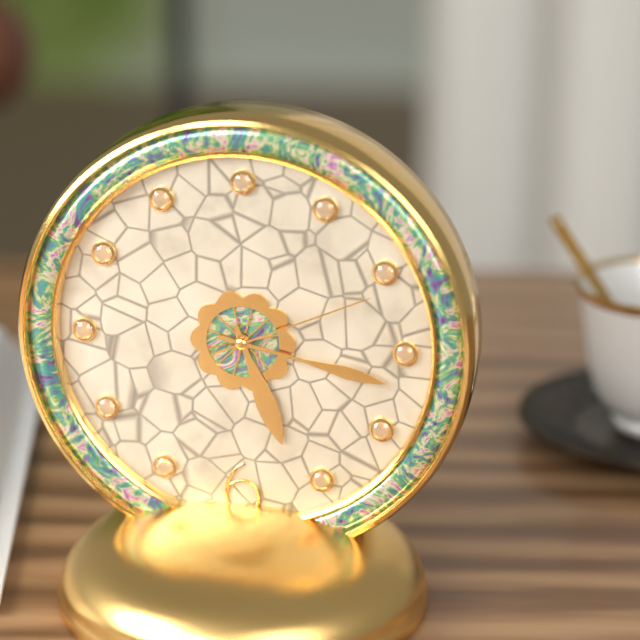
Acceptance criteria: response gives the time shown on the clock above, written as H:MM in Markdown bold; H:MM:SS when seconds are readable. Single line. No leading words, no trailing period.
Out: **5:17:11**
